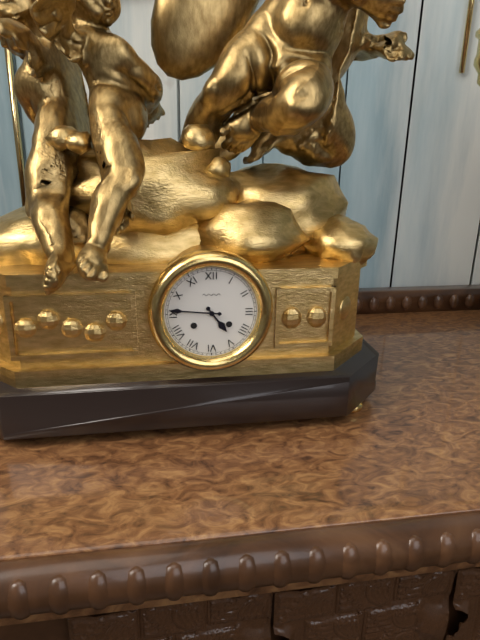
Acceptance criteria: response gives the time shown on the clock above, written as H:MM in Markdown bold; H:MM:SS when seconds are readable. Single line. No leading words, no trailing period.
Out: **4:46**
